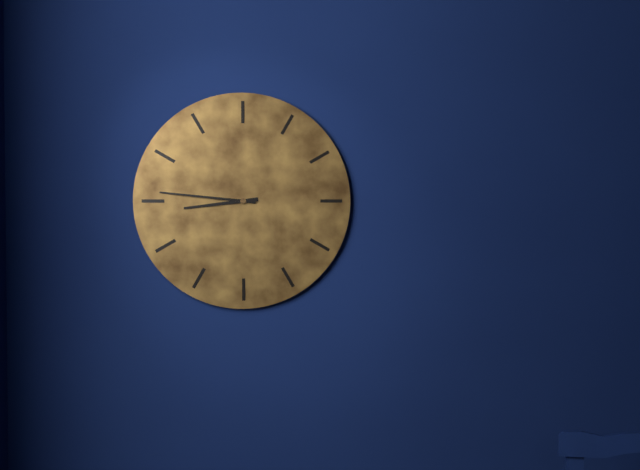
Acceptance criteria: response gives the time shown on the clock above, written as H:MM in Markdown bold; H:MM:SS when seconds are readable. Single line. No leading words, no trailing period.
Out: **8:46**
